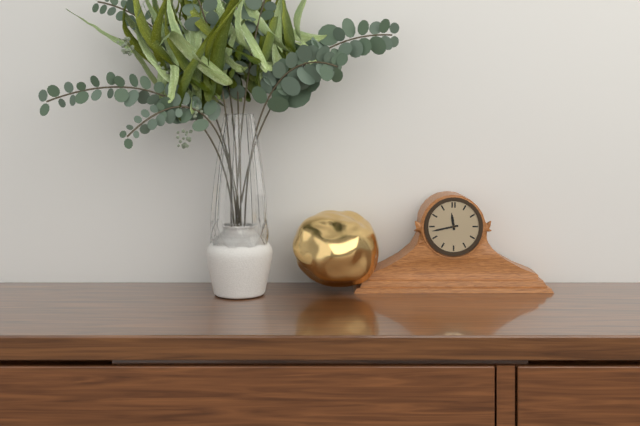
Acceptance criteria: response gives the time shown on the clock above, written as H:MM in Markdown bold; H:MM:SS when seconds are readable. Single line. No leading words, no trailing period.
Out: **11:43**
